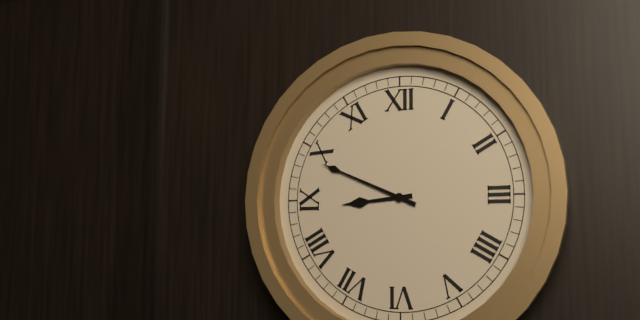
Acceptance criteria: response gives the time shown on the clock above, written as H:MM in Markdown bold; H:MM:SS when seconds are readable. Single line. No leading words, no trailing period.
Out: **8:49**
